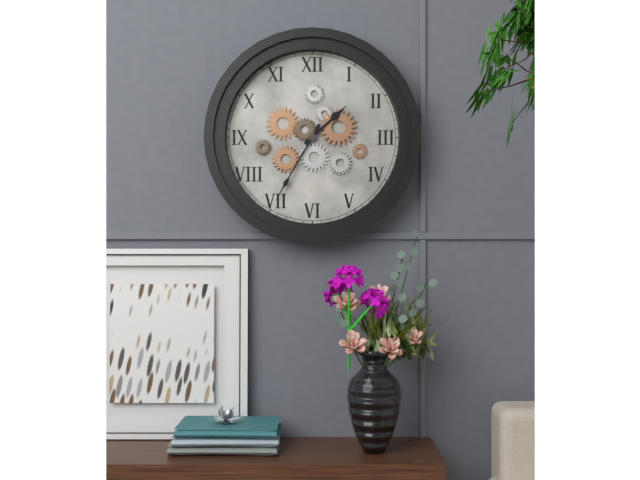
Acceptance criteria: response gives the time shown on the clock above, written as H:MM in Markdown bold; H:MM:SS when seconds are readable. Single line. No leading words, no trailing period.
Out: **1:35**
